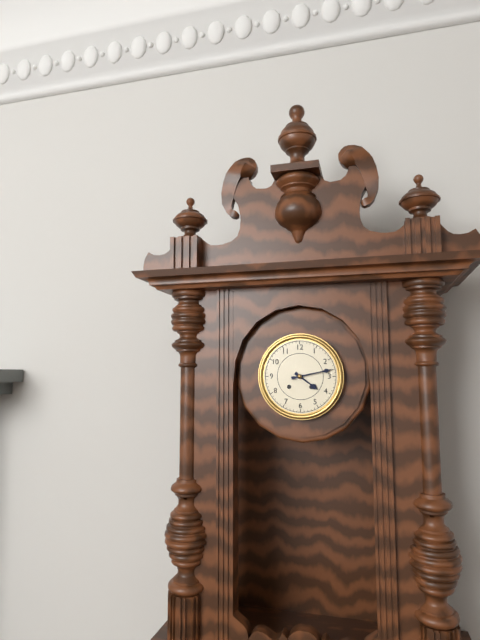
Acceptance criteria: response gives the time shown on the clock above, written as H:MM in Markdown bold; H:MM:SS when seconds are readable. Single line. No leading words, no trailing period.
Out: **4:13**
